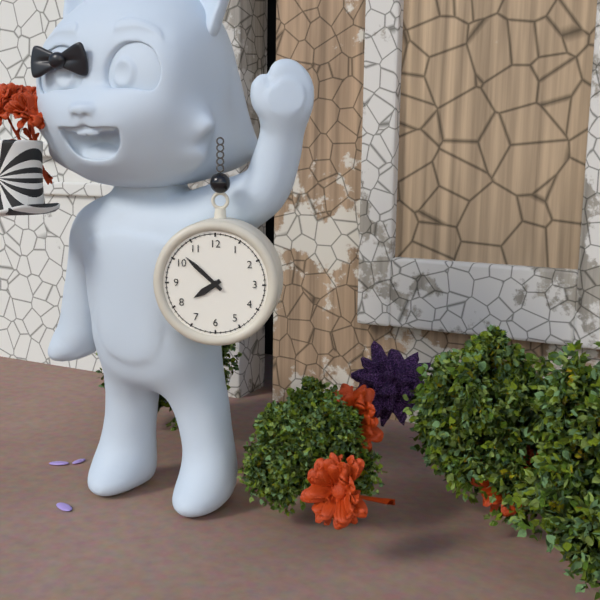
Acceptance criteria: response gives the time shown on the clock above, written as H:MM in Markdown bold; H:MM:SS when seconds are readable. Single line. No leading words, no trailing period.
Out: **7:52**
